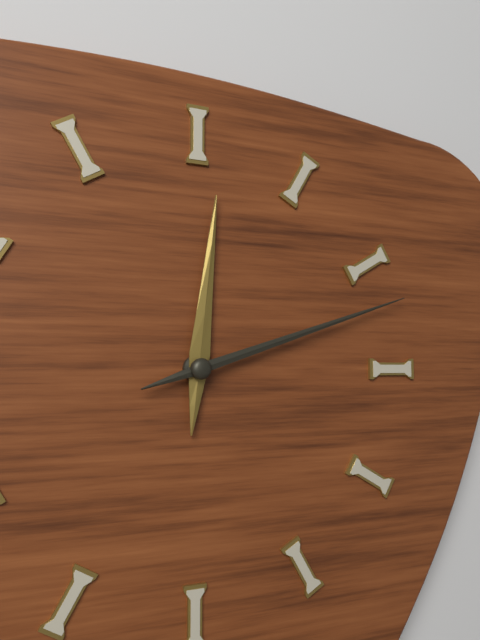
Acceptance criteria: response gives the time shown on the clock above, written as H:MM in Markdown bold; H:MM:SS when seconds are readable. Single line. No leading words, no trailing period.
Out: **12:12**
